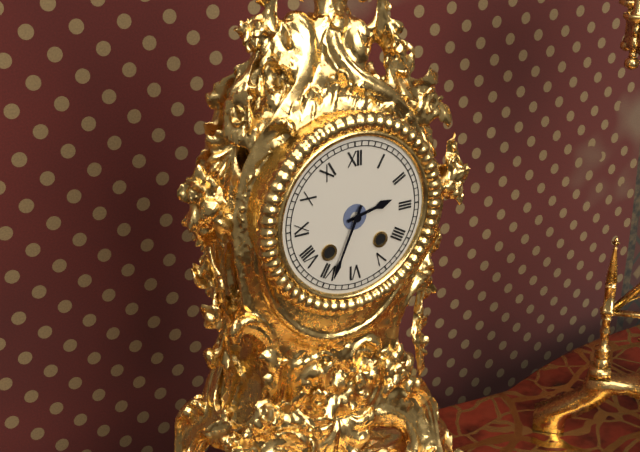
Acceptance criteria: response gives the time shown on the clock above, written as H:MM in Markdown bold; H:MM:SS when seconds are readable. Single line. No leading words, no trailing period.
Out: **2:34**
